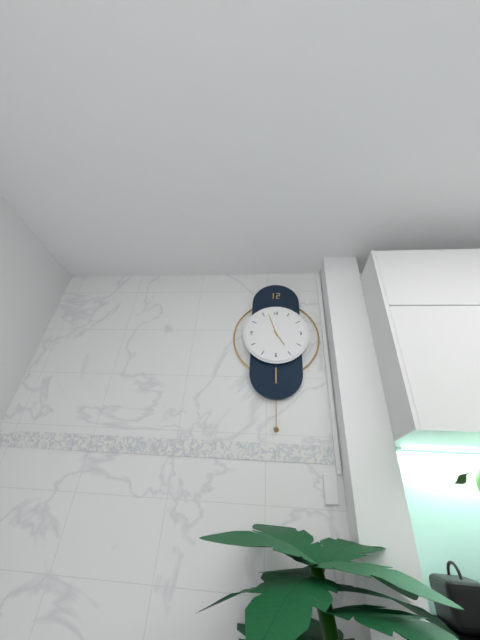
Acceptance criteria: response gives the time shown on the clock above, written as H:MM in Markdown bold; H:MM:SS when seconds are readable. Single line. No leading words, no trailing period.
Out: **4:57**
